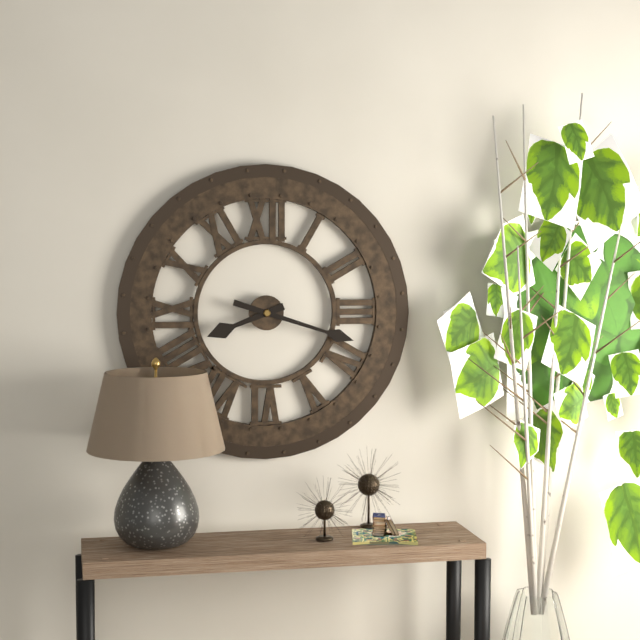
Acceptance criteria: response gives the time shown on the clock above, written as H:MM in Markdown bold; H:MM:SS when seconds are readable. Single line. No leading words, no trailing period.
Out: **8:18**
